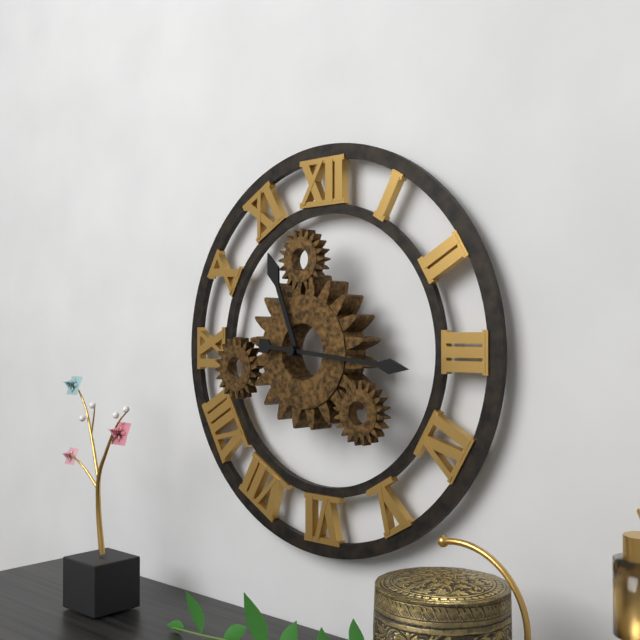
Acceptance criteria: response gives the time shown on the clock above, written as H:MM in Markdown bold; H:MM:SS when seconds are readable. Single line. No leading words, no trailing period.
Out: **11:16**
